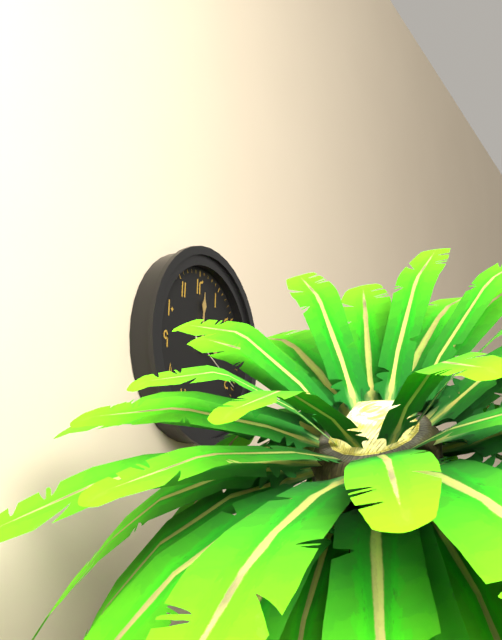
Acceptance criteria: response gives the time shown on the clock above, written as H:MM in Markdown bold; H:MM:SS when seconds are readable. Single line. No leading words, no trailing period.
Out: **3:01:20**
